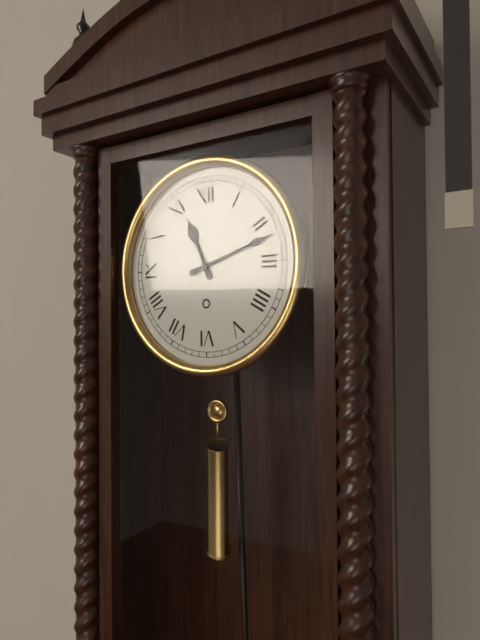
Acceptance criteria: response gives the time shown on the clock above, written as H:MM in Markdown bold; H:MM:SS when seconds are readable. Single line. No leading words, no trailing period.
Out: **11:12**
